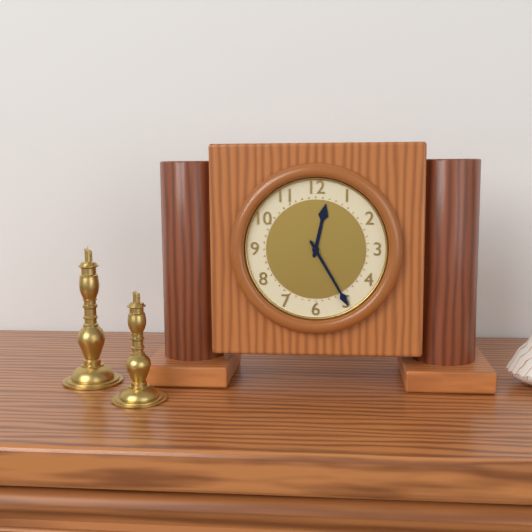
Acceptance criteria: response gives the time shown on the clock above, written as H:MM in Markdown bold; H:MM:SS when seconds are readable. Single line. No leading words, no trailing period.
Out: **12:25**
